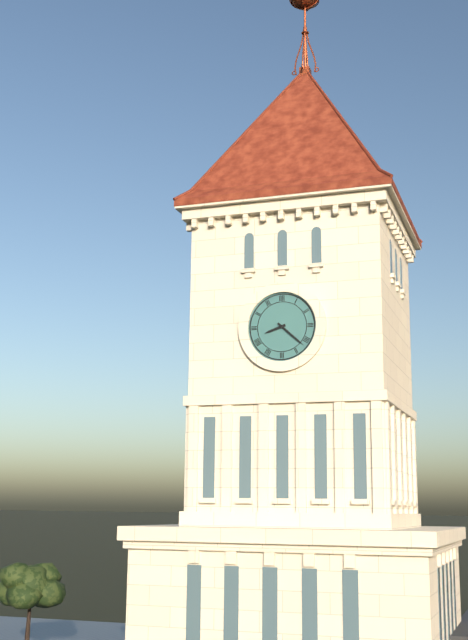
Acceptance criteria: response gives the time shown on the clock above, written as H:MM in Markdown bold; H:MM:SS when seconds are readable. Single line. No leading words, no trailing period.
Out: **8:22**
